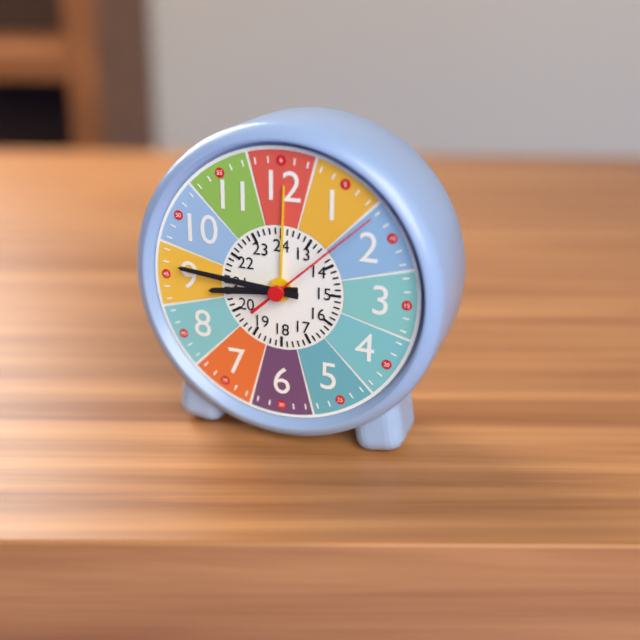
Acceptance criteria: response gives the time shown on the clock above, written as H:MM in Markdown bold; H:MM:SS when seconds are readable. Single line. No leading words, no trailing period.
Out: **8:46:08**
